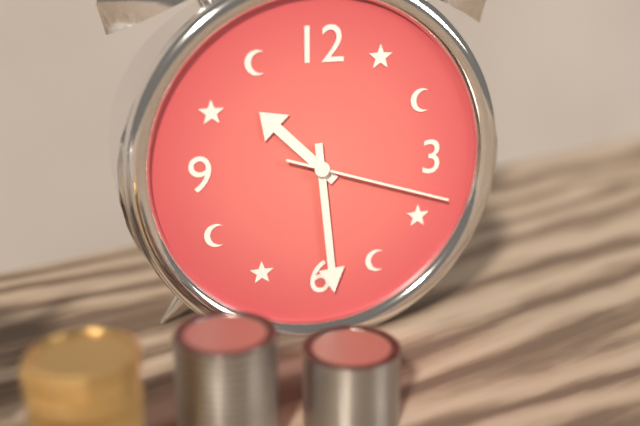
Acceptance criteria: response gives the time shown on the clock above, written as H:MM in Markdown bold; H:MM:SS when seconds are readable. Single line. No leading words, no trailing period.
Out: **10:29:18**
